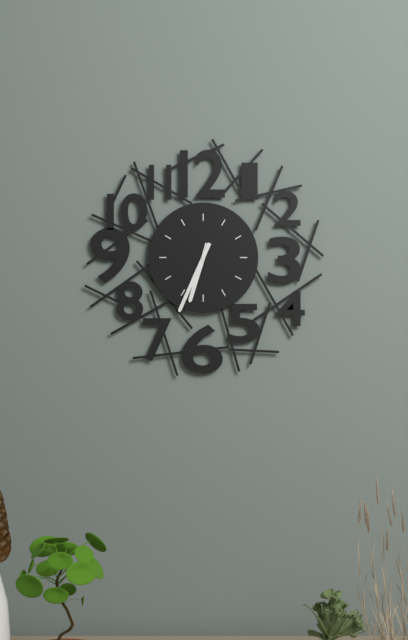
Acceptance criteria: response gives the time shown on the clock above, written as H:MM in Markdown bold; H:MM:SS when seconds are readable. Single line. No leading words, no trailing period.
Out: **6:34**
